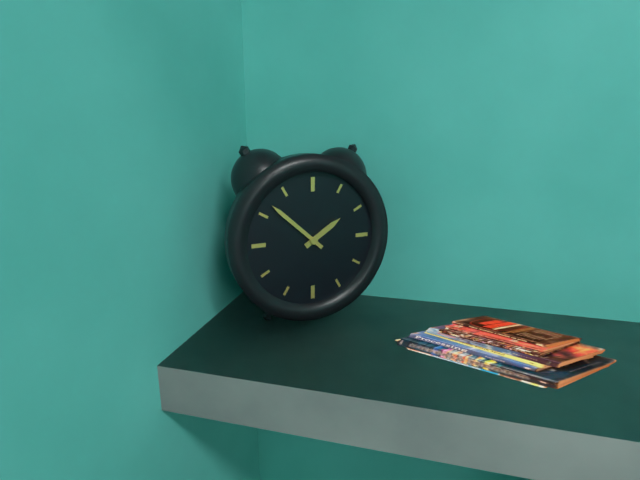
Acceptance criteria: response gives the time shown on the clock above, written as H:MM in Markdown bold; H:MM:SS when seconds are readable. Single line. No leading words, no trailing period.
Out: **1:52**
